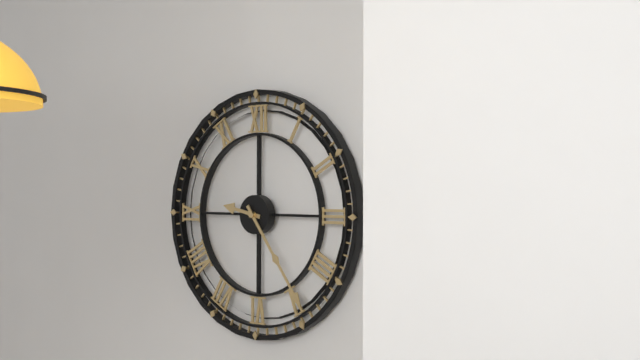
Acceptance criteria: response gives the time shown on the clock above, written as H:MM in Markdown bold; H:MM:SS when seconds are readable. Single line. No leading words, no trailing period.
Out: **9:24**
